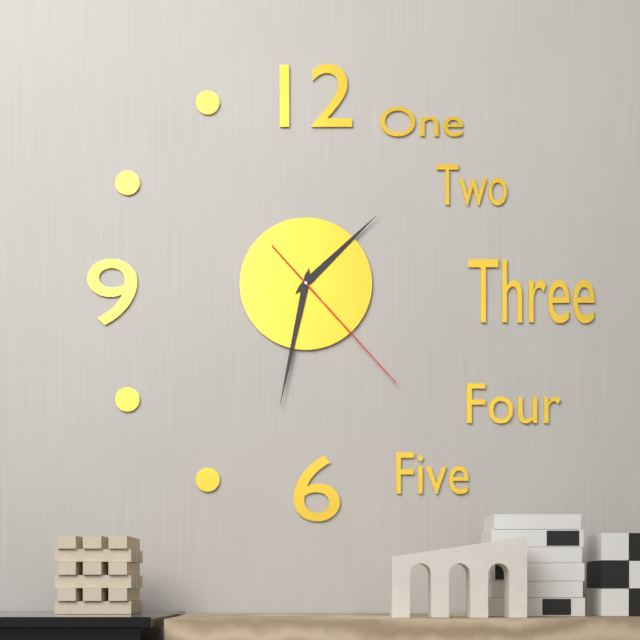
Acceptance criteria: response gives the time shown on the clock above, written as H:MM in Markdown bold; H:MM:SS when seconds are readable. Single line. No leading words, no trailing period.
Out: **1:32:23**
